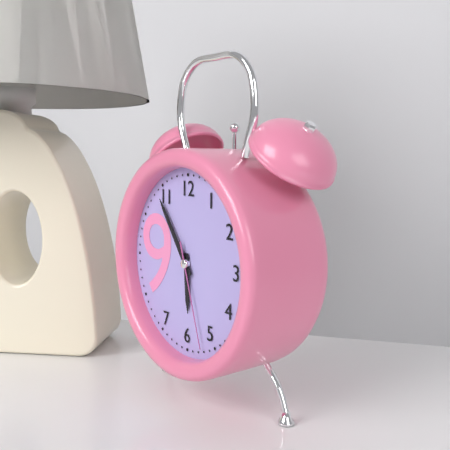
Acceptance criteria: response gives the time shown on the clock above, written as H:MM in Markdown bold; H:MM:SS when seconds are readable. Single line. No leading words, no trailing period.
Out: **5:54:27**
